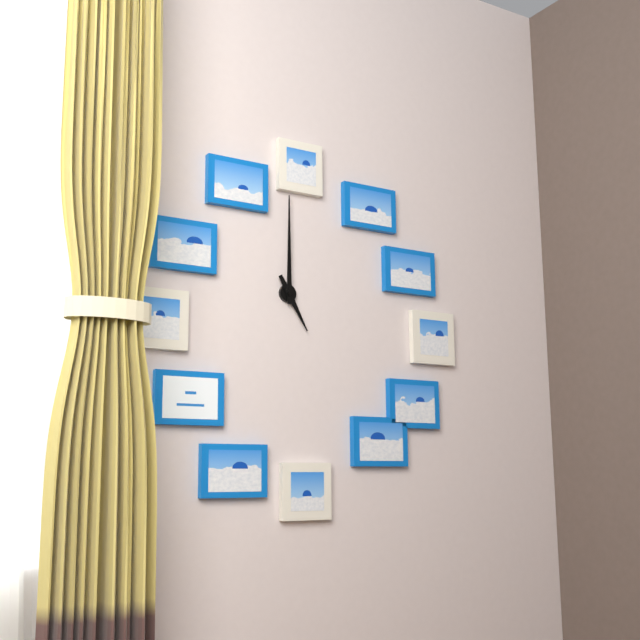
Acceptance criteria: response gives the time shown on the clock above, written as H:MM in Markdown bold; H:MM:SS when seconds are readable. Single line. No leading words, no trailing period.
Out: **5:00**
